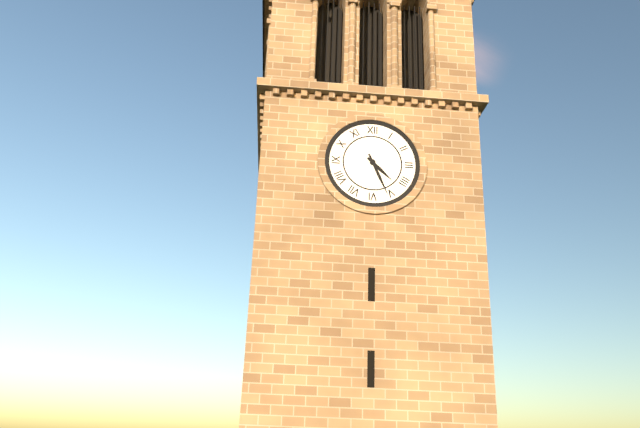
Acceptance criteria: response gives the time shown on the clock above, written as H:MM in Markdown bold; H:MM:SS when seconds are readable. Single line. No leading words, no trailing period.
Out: **4:26**
